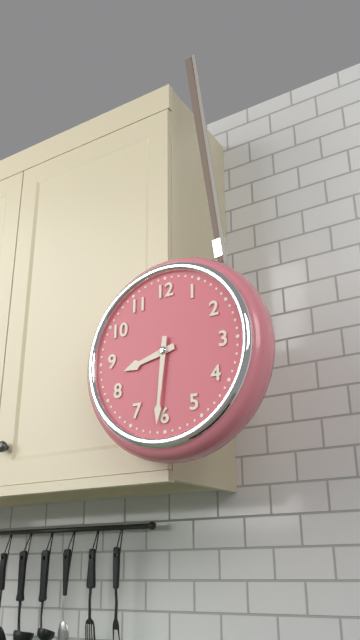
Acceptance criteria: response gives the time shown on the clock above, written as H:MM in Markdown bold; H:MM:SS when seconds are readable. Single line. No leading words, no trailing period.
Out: **8:31**
